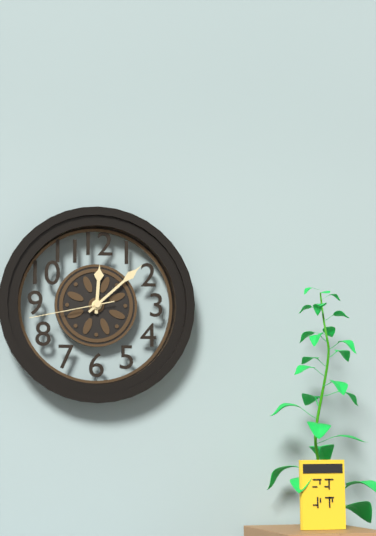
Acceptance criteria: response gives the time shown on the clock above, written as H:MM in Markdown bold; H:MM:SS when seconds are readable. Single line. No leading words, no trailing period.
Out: **12:08:43**
